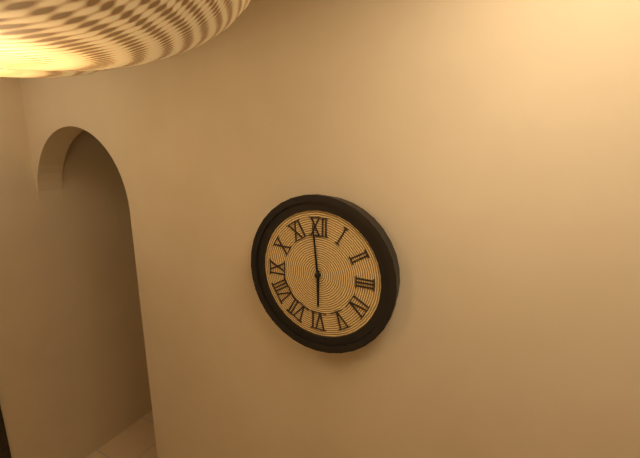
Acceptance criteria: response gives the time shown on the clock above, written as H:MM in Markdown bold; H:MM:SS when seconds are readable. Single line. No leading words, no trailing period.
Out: **5:59**
